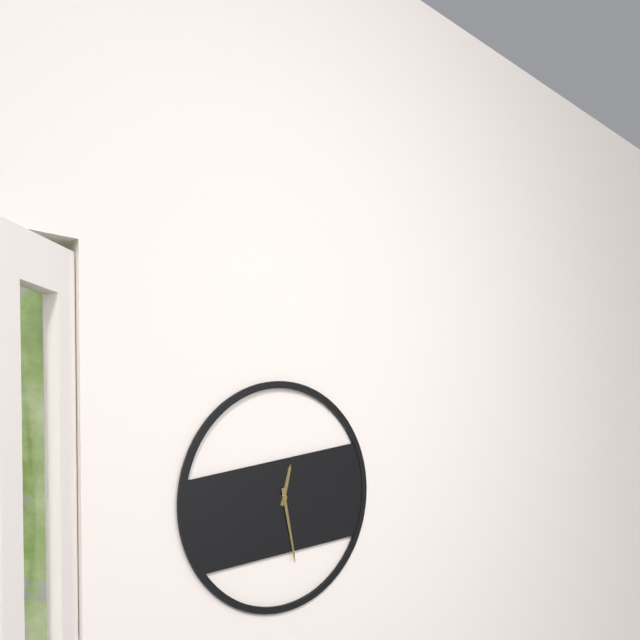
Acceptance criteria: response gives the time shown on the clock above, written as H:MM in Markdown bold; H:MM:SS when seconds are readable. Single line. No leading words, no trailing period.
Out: **12:28**
